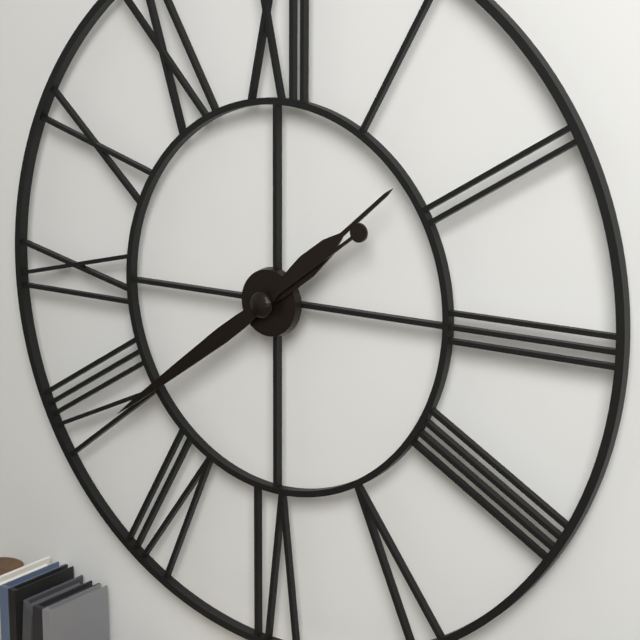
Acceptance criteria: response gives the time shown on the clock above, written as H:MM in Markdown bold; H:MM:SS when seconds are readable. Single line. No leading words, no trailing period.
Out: **1:39**
